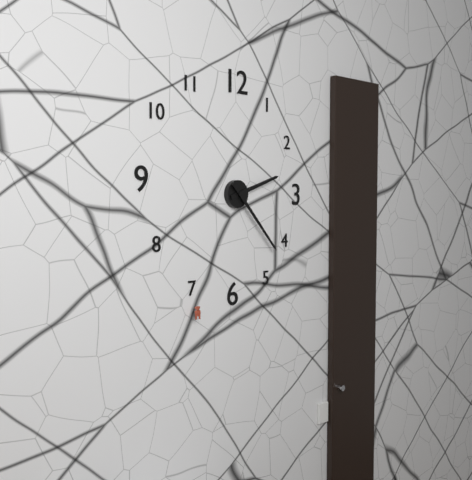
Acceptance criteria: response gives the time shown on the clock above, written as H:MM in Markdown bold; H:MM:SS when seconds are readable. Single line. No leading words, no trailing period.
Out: **2:23**
